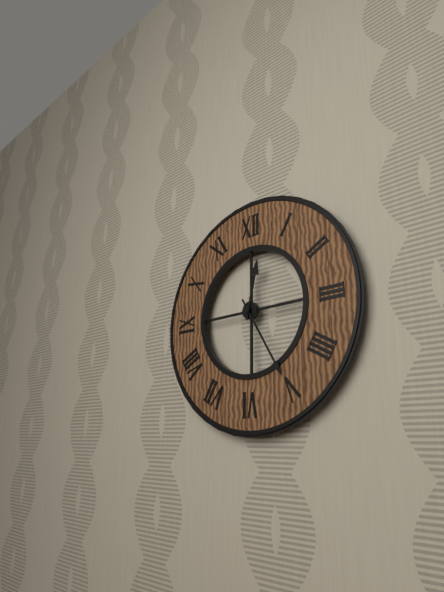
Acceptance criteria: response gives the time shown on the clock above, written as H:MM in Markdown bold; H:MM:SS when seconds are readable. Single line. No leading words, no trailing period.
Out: **12:25**
